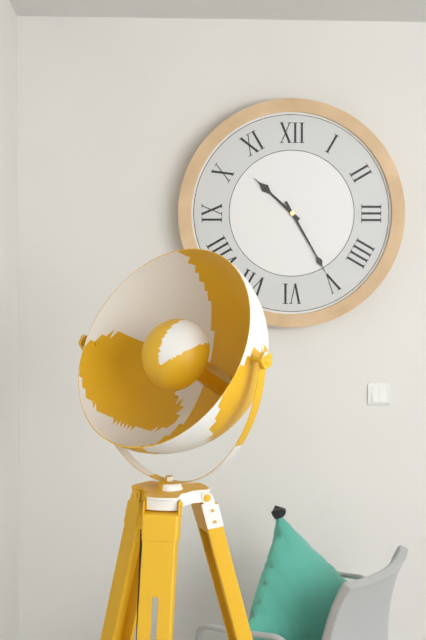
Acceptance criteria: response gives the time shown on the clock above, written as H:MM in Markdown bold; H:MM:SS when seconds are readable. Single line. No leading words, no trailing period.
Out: **10:25**
